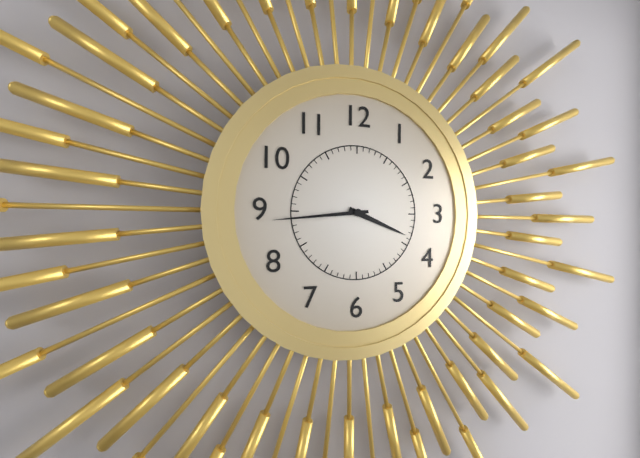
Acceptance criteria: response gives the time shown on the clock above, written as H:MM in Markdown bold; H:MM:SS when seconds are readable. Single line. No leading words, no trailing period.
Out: **3:44**
